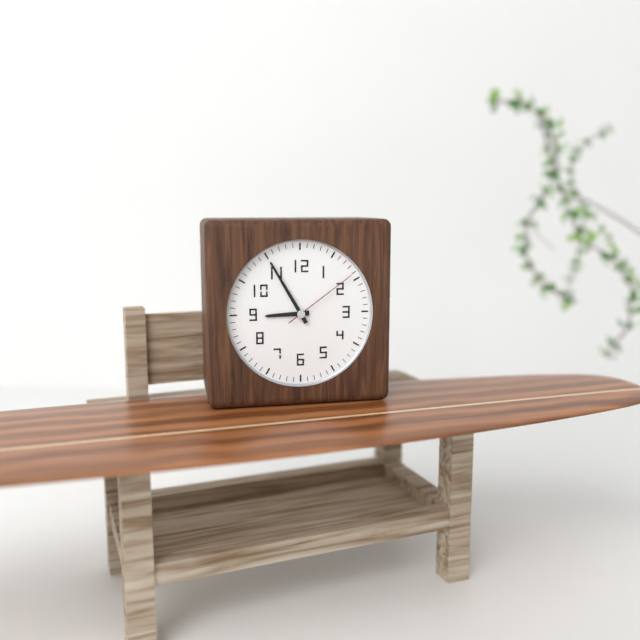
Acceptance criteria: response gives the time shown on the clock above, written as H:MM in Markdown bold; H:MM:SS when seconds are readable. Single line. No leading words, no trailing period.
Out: **8:55:09**
